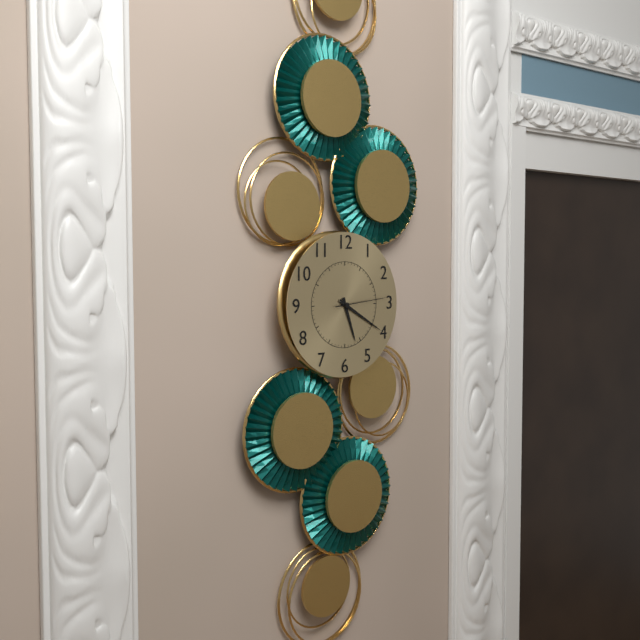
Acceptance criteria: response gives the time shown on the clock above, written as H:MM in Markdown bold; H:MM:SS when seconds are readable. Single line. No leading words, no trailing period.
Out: **5:20:14**
